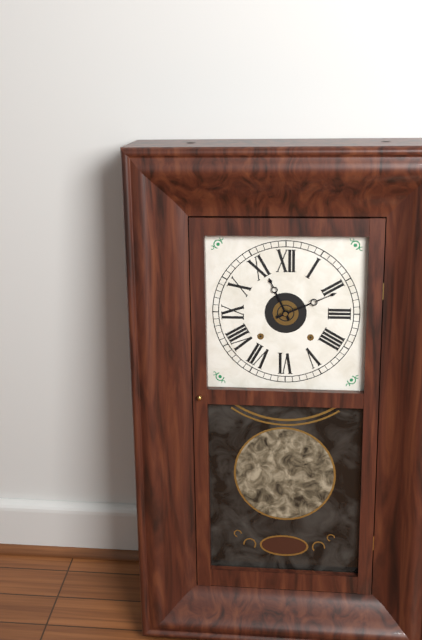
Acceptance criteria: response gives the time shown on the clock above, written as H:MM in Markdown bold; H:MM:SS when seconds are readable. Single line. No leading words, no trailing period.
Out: **11:11**
